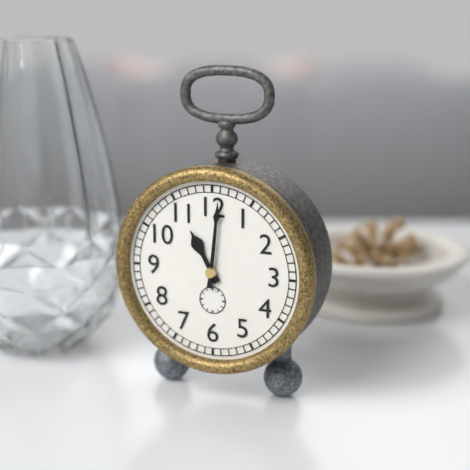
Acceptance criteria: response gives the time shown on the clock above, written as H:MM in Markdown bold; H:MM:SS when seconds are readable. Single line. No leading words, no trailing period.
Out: **11:01**
